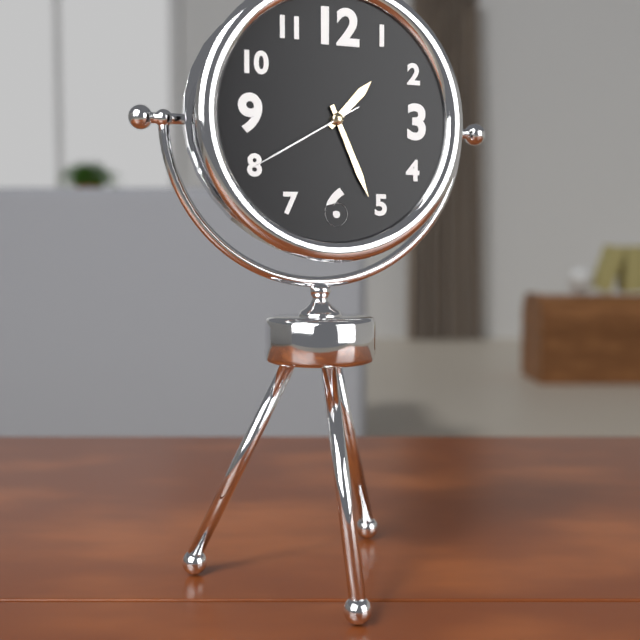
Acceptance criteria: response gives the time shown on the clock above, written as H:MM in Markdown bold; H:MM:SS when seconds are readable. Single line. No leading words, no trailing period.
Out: **1:26:40**
